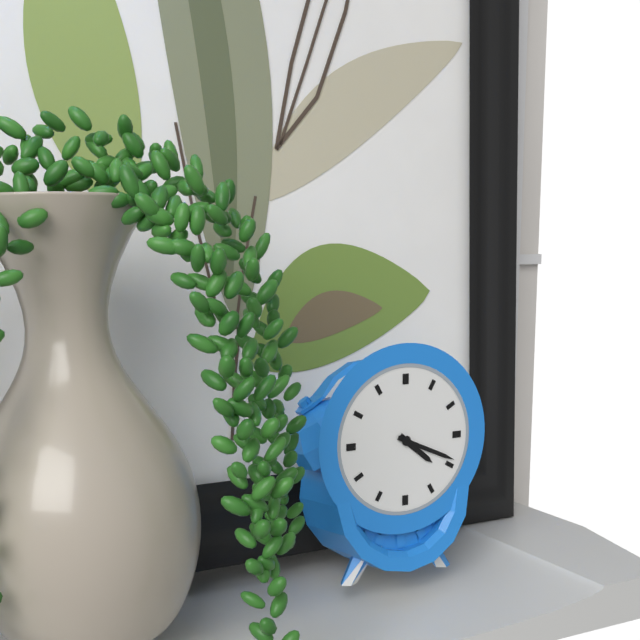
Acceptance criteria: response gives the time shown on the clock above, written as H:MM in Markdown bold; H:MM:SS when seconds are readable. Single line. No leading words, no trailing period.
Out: **4:19**
